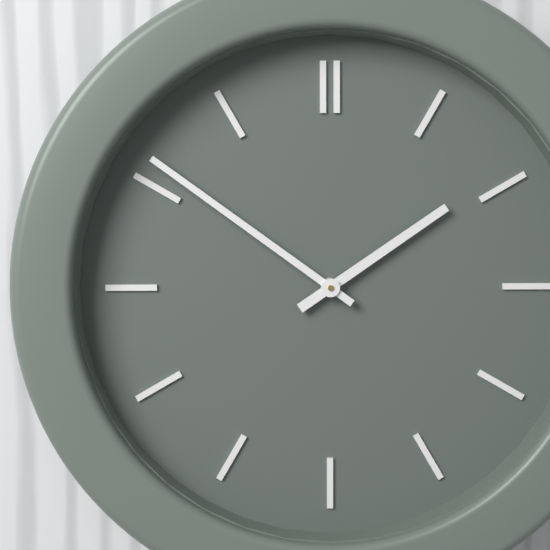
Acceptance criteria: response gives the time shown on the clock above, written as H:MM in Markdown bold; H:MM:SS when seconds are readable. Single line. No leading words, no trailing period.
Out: **1:51**
